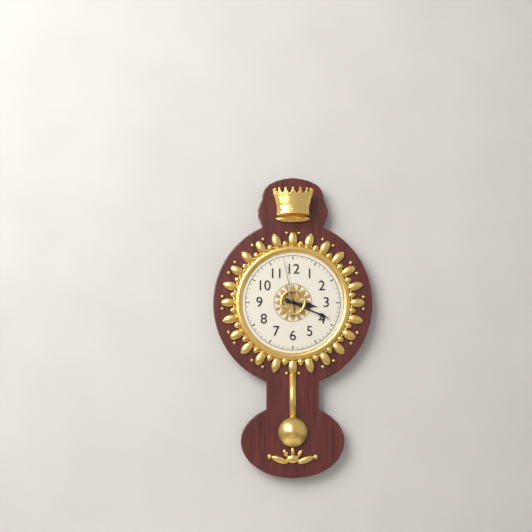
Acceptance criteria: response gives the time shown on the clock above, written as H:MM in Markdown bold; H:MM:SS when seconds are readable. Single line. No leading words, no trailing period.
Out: **3:19:58**
